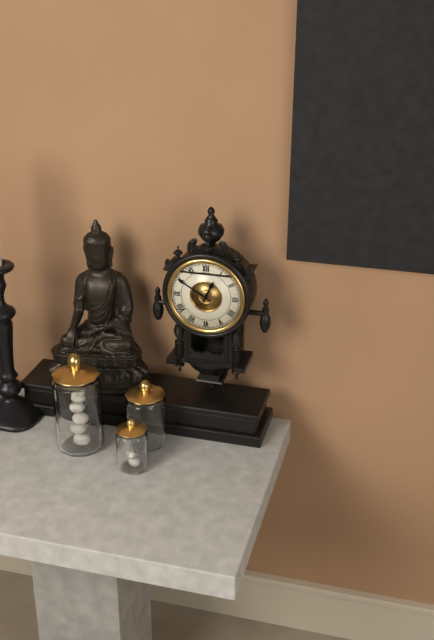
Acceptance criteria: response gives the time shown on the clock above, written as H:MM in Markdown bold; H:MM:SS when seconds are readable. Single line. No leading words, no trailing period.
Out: **12:50**
